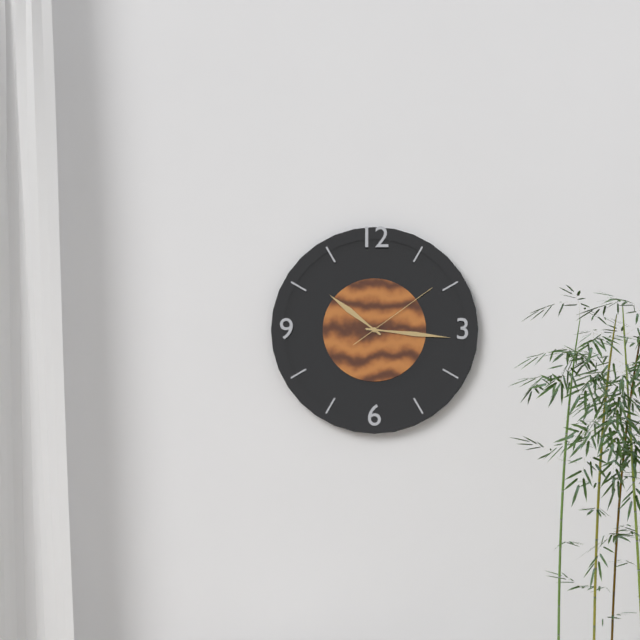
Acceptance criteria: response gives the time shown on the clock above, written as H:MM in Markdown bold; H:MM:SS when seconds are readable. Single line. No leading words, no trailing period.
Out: **10:16:09**
